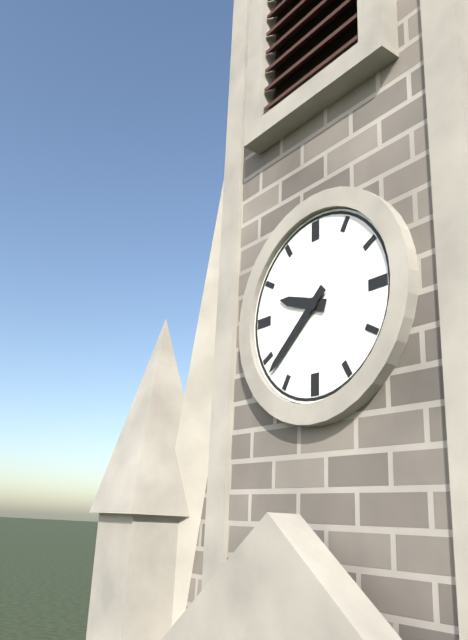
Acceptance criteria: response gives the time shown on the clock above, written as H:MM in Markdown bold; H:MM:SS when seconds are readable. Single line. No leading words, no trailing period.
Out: **9:38**
